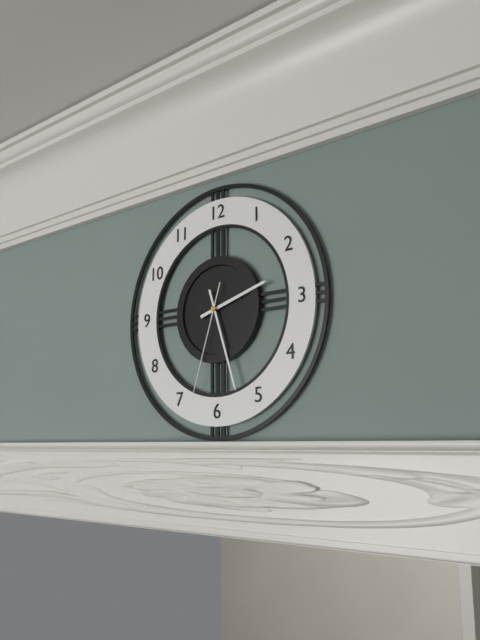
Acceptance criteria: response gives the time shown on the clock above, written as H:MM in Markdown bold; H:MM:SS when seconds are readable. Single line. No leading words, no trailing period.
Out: **2:27:33**
